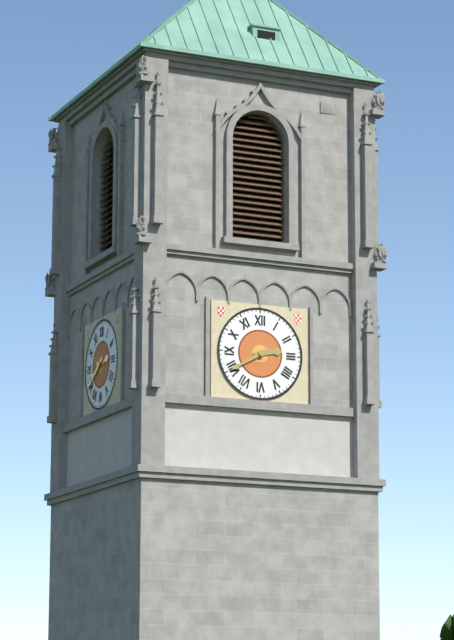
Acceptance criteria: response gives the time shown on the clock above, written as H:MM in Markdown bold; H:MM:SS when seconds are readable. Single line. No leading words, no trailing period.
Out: **2:40**
